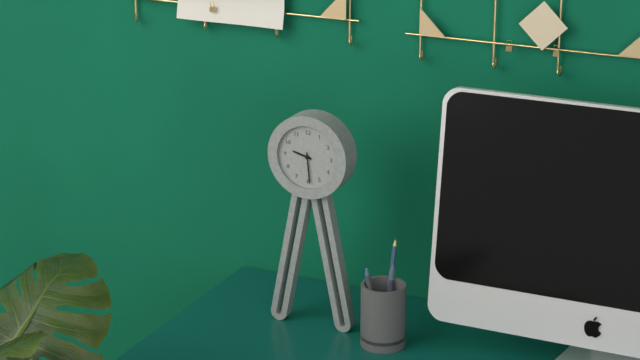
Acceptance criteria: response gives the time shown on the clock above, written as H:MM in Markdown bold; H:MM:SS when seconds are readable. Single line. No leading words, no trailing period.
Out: **9:29**
